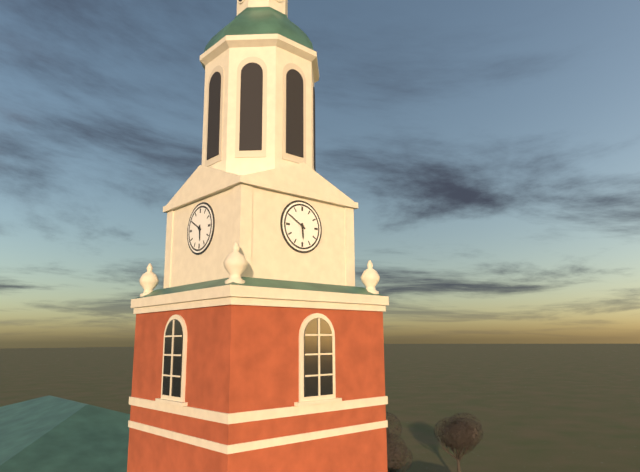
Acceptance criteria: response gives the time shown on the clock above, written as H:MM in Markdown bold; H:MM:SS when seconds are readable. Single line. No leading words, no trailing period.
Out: **5:50**
